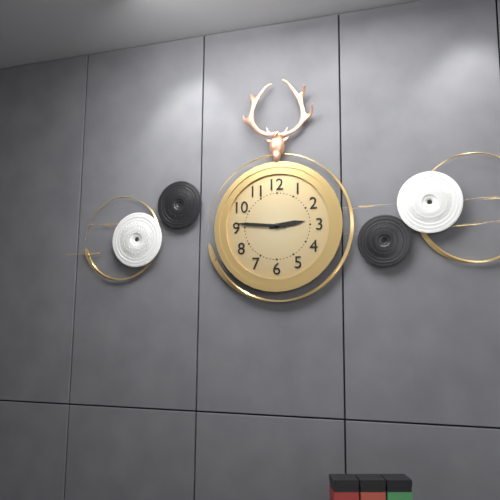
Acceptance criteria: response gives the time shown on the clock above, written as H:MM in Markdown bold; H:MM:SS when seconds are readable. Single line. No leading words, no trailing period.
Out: **2:46**
